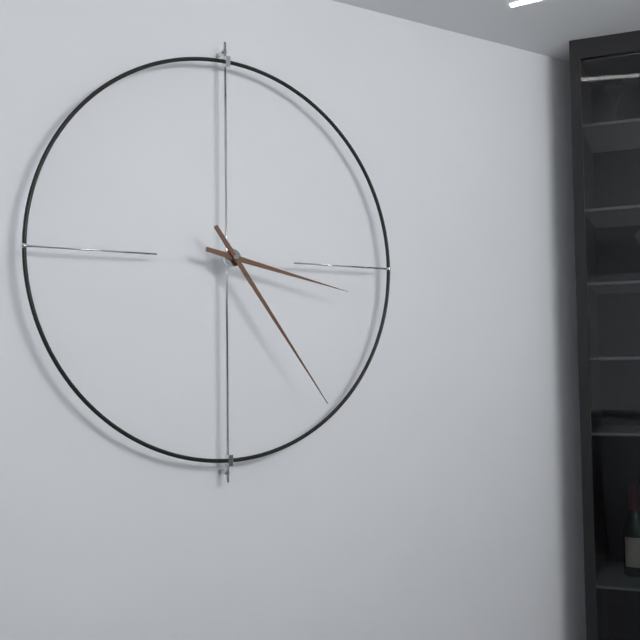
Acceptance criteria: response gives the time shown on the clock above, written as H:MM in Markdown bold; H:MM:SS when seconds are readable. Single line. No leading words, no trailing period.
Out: **3:24**
